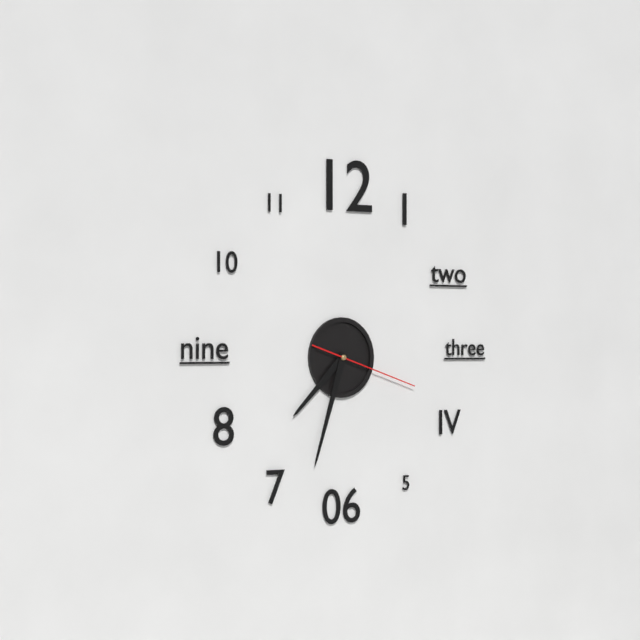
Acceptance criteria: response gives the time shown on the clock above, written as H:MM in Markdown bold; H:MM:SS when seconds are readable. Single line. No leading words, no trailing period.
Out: **7:33:18**
